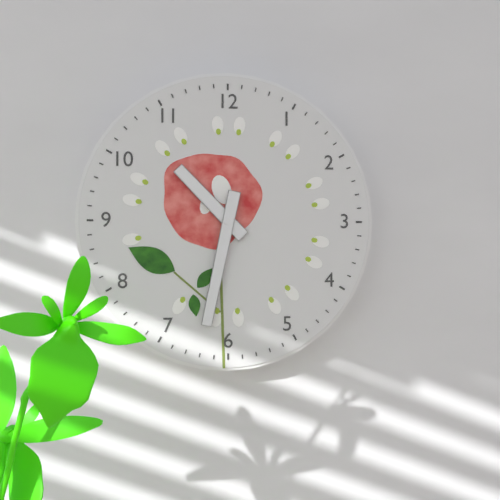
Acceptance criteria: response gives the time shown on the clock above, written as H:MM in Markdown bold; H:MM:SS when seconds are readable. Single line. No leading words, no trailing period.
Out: **10:32**
